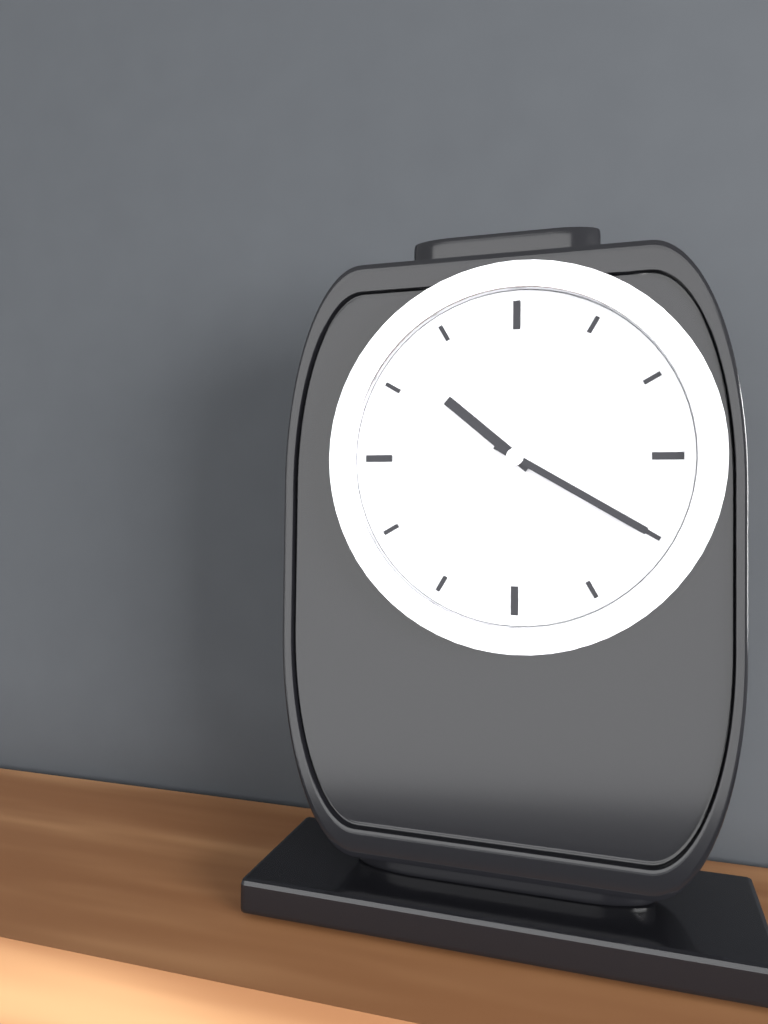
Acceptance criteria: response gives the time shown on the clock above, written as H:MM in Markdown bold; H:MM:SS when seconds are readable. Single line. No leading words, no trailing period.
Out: **10:20**
